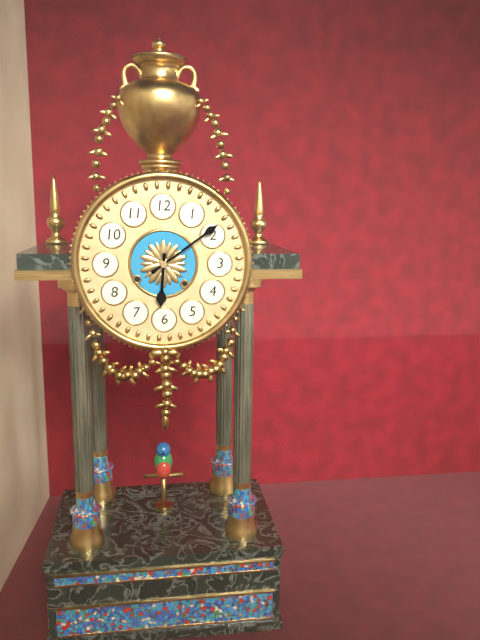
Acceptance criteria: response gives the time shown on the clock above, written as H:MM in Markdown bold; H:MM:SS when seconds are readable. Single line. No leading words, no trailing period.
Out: **6:09**
